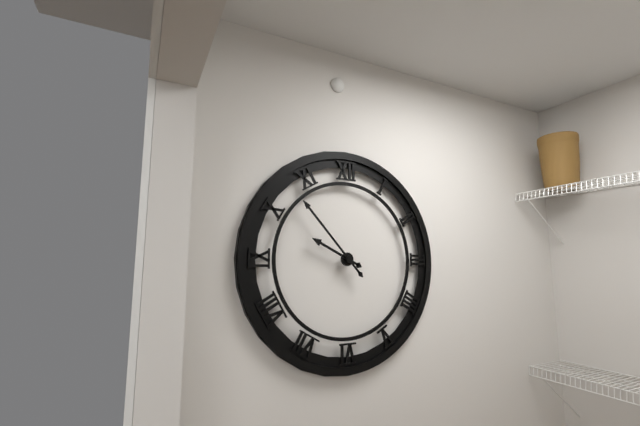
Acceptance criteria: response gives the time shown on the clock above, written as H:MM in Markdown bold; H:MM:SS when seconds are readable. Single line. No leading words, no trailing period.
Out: **9:53**
